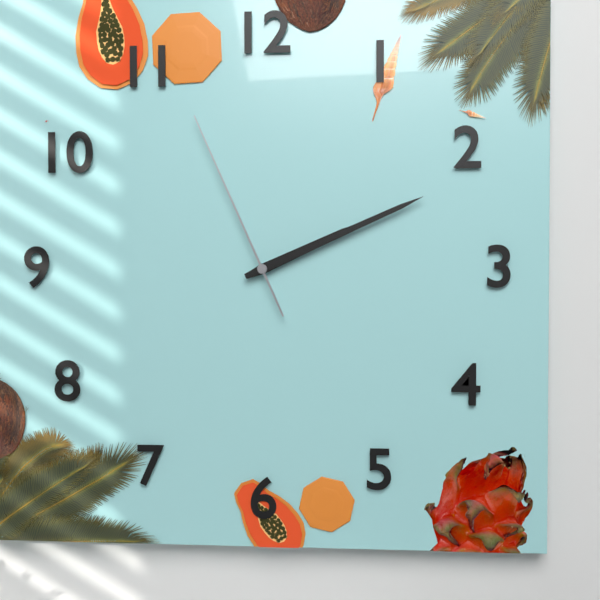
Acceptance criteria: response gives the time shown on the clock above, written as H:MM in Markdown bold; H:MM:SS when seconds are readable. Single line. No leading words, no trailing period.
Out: **2:11:56**
